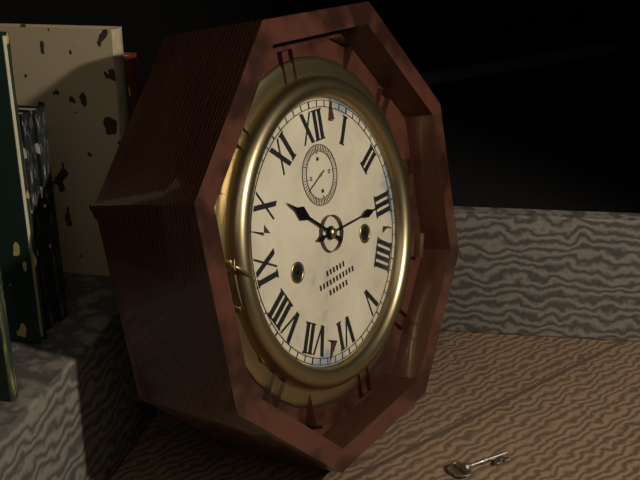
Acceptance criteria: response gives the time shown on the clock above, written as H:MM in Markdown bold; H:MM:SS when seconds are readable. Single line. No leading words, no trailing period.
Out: **10:15**
